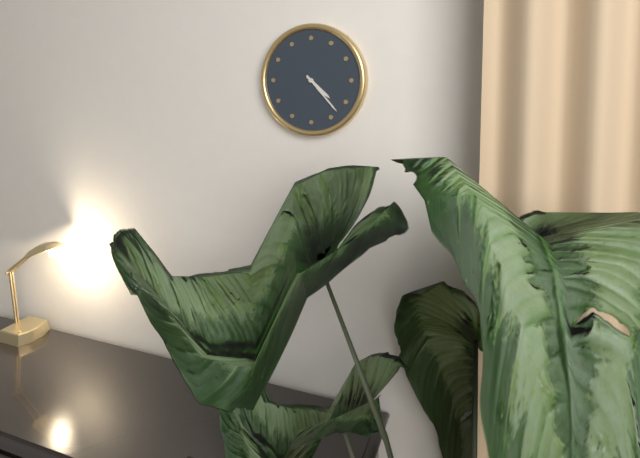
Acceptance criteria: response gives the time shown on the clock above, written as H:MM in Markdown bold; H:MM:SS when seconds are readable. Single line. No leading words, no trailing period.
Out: **4:23**
